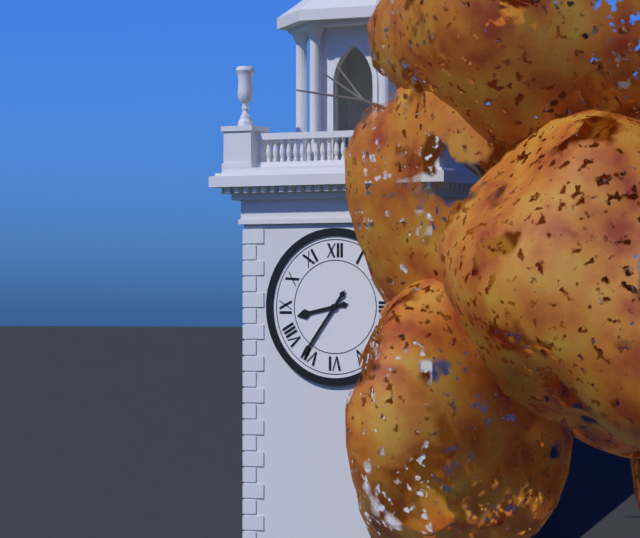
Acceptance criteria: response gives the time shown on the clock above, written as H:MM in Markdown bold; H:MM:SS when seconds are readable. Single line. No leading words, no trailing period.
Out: **8:36**
